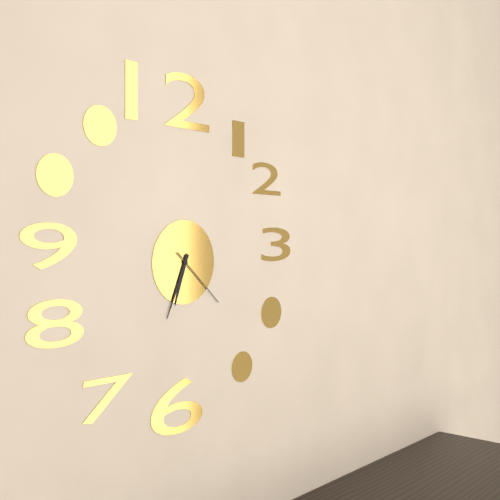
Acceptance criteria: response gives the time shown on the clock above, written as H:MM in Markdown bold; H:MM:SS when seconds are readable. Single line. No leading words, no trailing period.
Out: **6:34:22**
